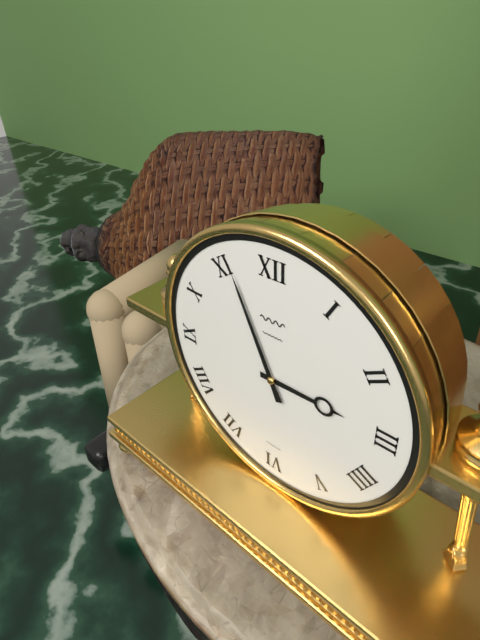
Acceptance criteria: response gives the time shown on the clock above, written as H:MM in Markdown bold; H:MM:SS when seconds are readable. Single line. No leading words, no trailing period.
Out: **2:56**
